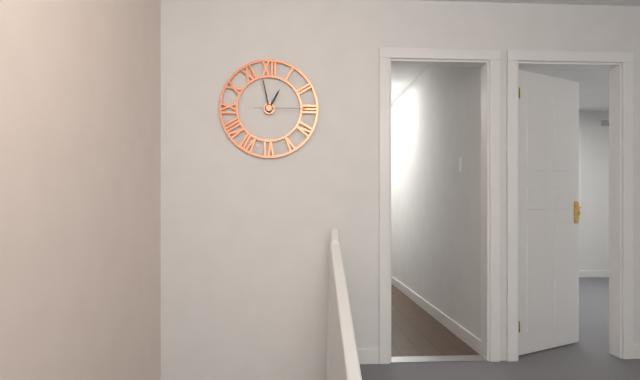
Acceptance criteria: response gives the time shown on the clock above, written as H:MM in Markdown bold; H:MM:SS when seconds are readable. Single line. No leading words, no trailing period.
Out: **12:58**
